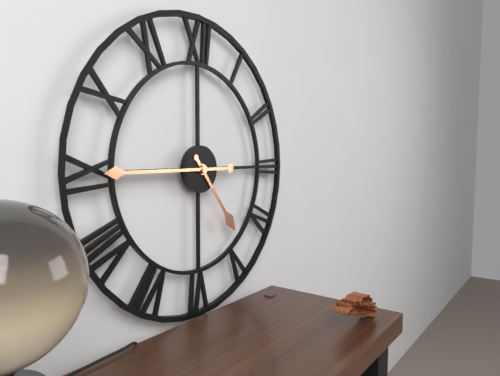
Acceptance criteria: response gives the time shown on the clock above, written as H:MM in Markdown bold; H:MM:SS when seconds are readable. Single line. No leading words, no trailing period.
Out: **4:45**
